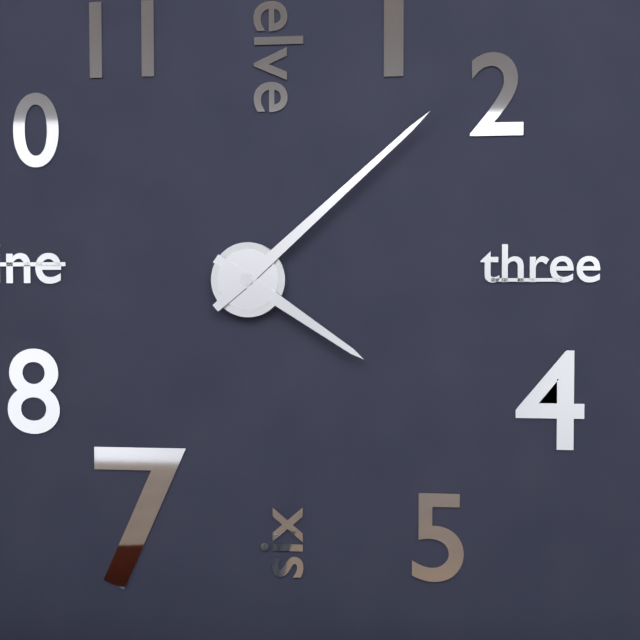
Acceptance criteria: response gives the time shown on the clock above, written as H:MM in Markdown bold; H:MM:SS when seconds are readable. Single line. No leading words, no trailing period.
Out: **4:08**
